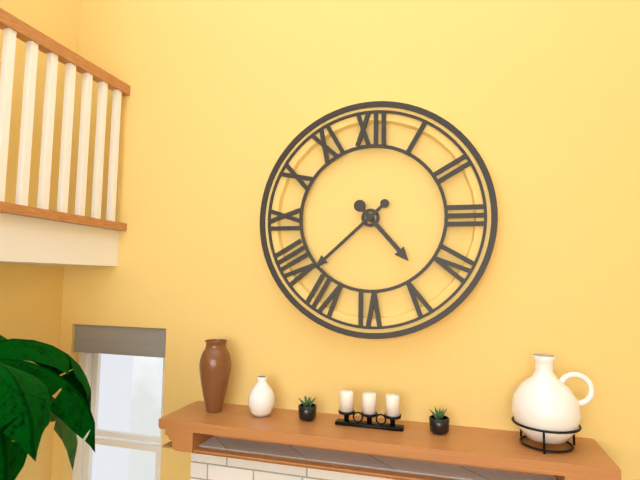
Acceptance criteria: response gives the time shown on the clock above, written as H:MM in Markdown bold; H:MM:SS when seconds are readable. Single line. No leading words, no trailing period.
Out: **4:38**
